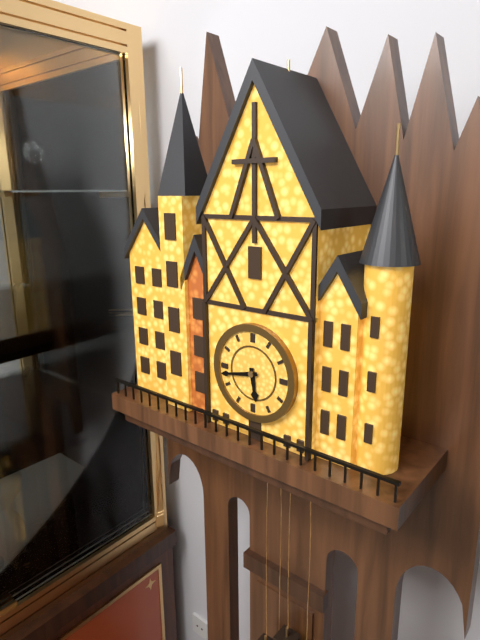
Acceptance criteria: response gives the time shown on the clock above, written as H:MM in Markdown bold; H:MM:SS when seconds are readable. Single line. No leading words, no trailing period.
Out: **5:43**
